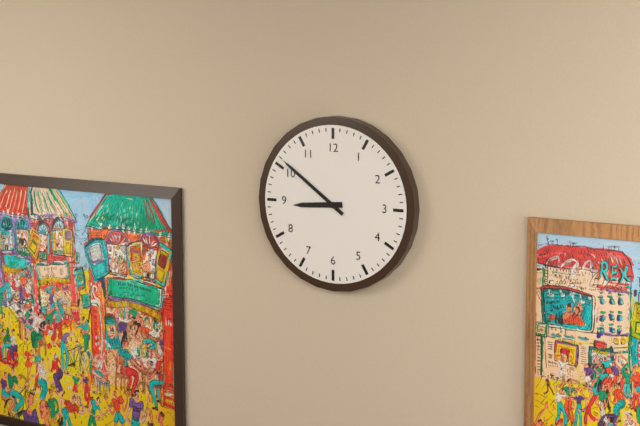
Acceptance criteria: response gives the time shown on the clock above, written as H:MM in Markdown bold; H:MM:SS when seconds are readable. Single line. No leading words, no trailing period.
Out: **8:51**
